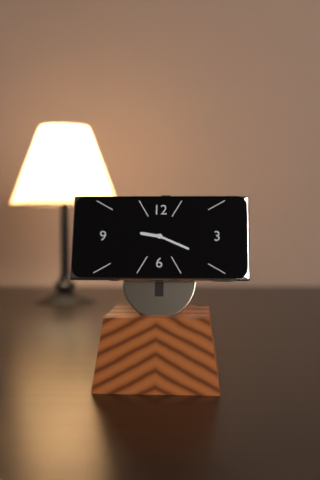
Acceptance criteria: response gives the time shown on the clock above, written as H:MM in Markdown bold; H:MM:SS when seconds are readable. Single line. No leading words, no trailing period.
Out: **9:19**
